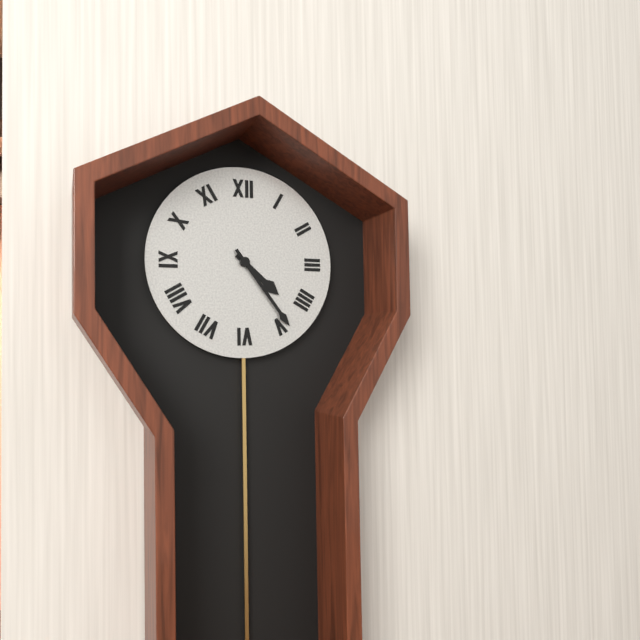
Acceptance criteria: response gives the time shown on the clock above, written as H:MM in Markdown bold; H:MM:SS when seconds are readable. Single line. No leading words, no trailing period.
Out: **4:24**
